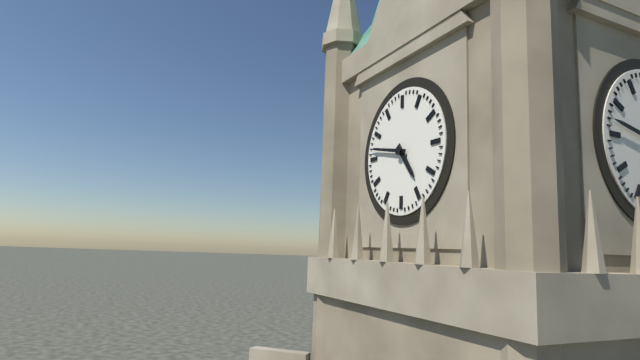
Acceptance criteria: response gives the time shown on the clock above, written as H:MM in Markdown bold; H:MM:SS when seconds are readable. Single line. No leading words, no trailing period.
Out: **4:47**
